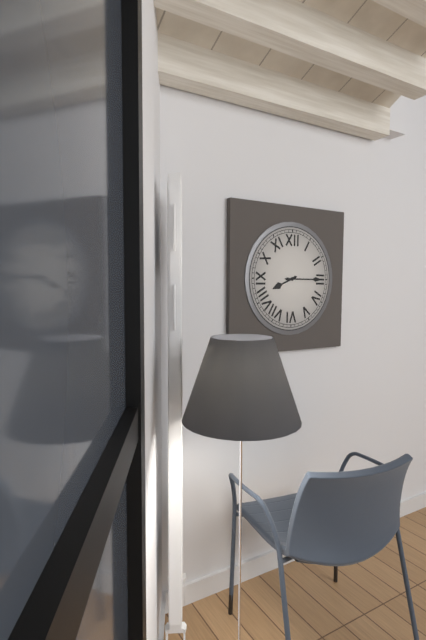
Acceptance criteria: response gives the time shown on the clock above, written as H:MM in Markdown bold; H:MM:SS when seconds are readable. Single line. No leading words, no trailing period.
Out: **8:15**
